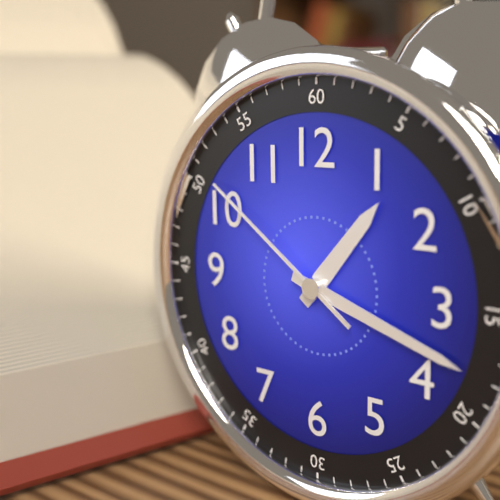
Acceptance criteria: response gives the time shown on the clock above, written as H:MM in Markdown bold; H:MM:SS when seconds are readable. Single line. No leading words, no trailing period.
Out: **1:18:51**
